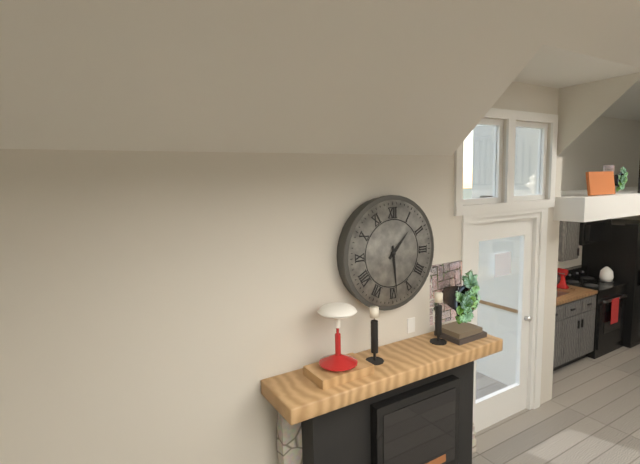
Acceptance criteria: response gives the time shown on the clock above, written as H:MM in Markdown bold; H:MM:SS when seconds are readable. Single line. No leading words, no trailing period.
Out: **1:29**
